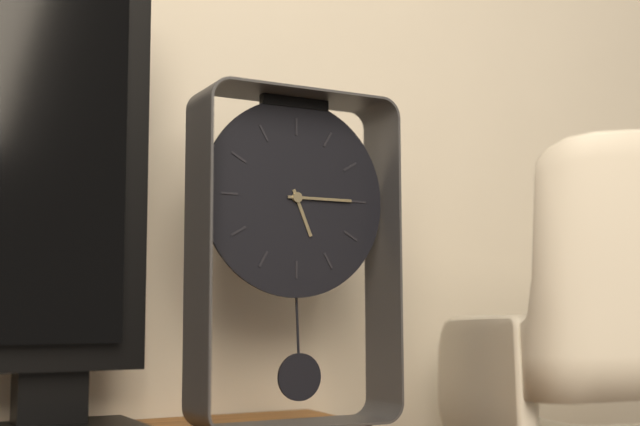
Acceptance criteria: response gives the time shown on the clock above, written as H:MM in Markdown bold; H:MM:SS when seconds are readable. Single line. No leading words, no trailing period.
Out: **5:15**
